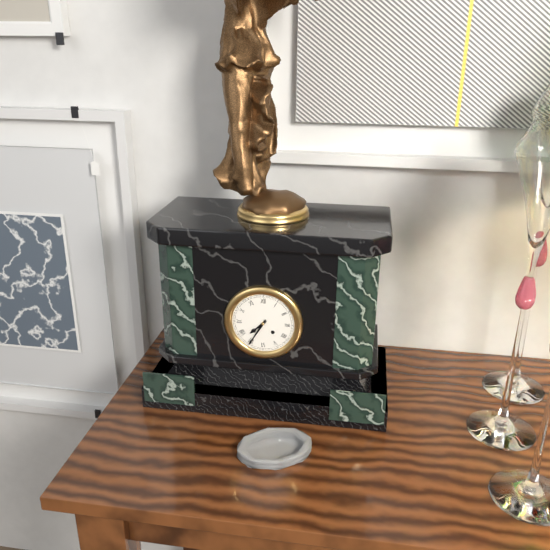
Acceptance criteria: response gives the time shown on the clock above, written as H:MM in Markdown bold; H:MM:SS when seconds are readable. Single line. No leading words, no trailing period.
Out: **7:35**
